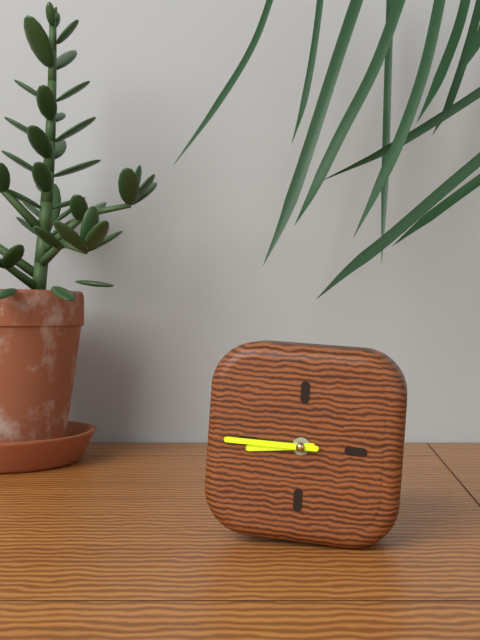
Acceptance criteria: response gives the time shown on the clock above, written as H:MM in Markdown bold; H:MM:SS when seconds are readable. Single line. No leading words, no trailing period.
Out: **8:45**
